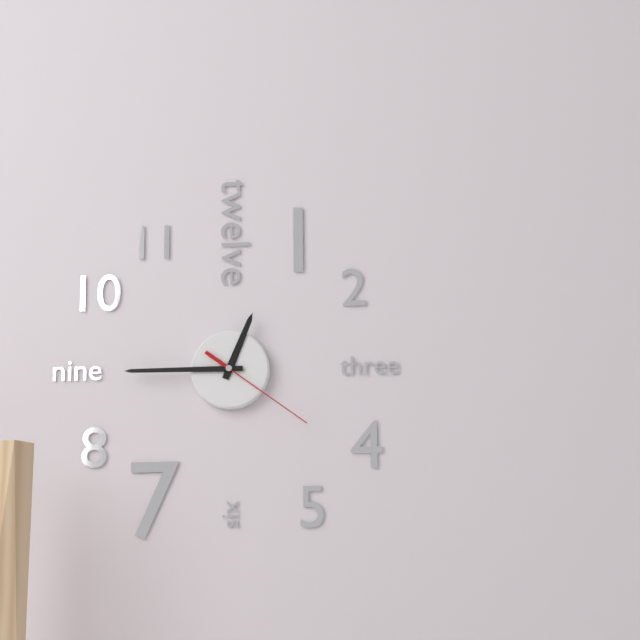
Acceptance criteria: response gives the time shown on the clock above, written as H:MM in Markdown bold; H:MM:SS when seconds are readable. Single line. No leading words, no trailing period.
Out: **12:45:21**
